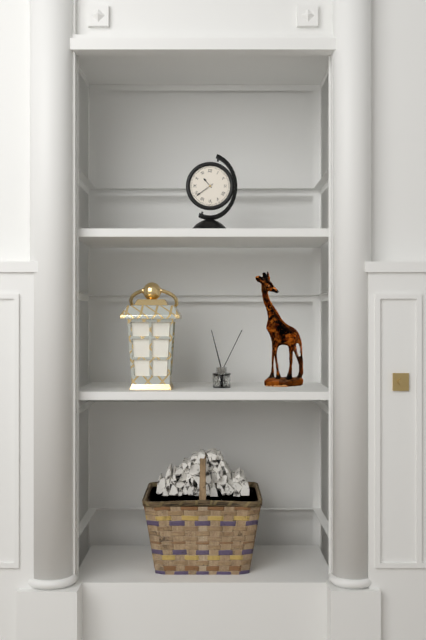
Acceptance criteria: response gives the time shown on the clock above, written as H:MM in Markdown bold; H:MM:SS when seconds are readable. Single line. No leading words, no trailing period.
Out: **10:39**
